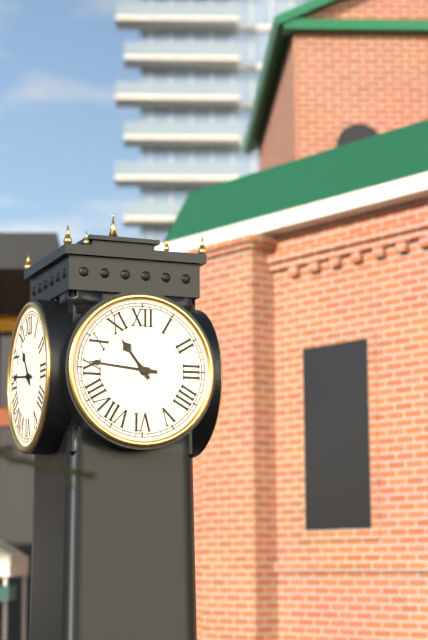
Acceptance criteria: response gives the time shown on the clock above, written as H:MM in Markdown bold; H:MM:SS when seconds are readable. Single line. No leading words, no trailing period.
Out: **10:46**
